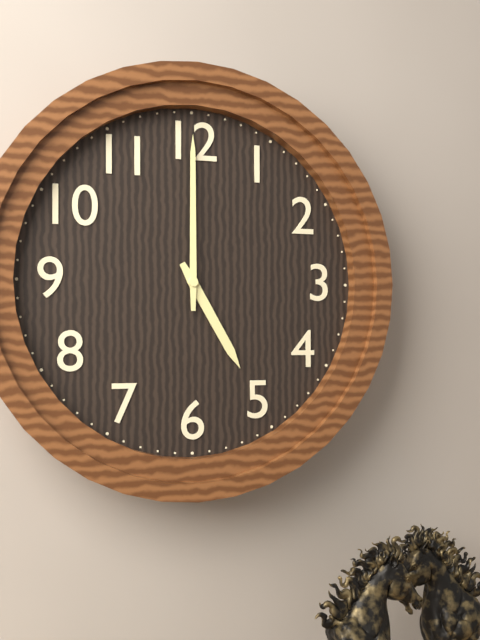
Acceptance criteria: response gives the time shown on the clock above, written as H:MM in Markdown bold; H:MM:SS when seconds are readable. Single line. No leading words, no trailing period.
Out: **5:00**
